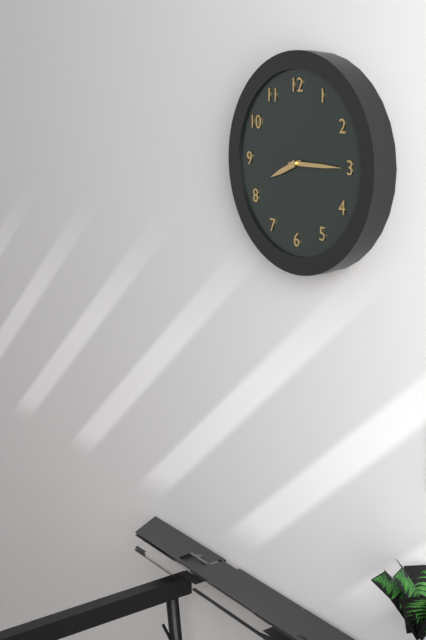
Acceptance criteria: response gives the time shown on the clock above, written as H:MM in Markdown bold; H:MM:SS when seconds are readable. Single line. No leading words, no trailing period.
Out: **8:15**
